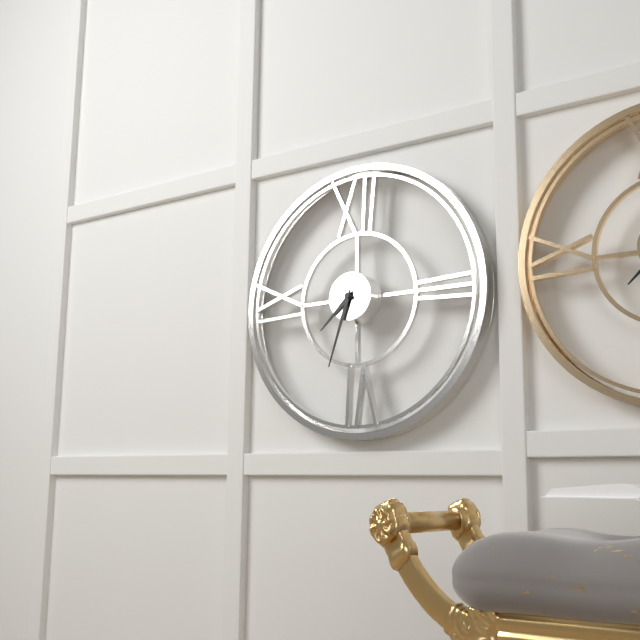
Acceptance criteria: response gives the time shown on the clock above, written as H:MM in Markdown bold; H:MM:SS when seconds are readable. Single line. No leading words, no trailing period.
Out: **7:33**
